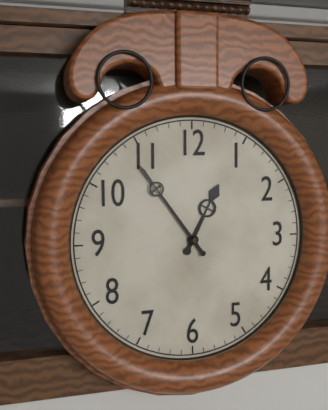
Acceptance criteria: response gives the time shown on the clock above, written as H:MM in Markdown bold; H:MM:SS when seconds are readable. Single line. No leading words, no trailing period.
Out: **12:54**
